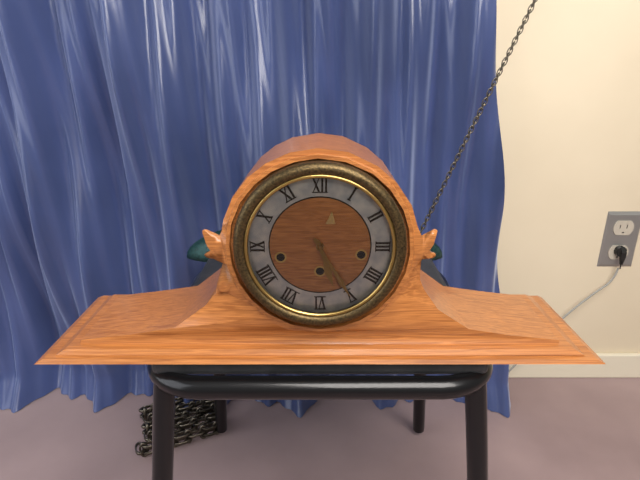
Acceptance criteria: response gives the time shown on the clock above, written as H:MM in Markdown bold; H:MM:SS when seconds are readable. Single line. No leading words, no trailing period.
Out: **5:25**
